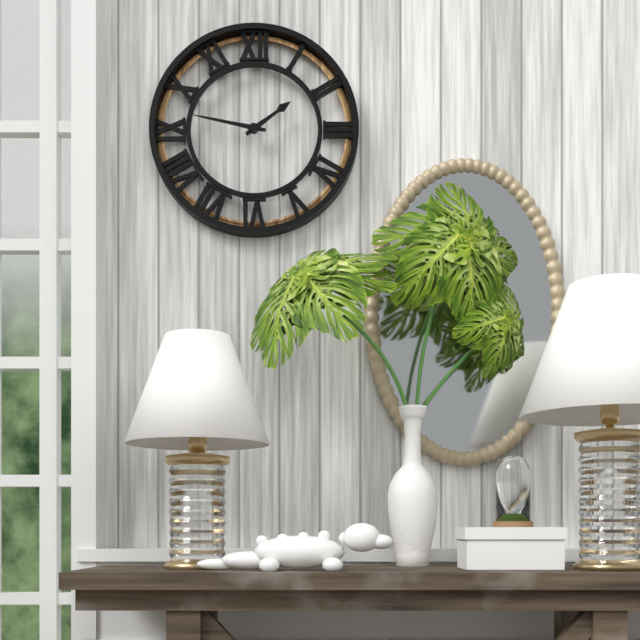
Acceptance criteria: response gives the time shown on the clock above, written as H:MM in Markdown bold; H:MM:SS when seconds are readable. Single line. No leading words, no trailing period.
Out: **1:47**
